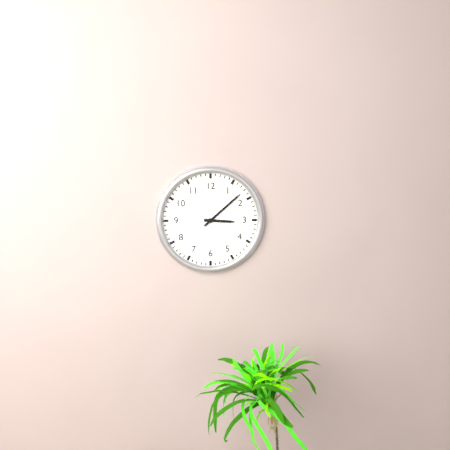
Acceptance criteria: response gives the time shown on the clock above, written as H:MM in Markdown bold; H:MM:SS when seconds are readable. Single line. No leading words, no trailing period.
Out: **3:08**
